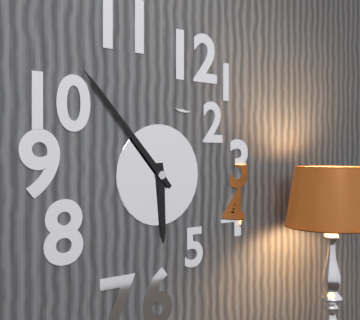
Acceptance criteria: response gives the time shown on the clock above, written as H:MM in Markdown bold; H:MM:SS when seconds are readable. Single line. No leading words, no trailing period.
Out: **5:53**
